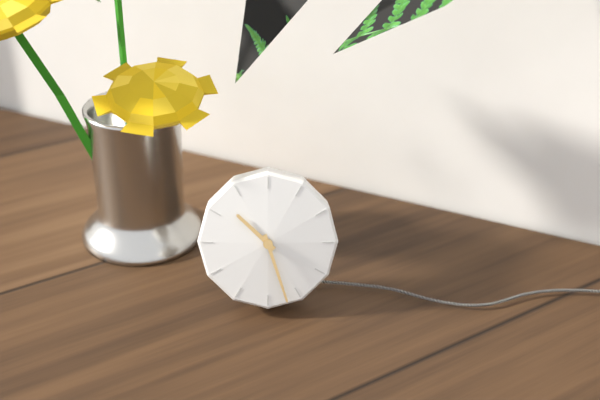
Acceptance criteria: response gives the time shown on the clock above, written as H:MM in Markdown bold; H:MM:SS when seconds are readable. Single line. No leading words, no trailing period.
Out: **10:27**
